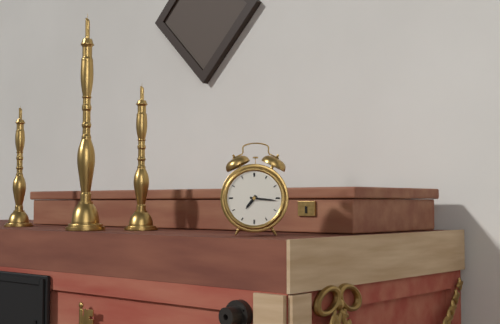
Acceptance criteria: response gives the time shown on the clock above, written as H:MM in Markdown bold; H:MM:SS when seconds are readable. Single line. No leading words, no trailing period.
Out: **7:16**
